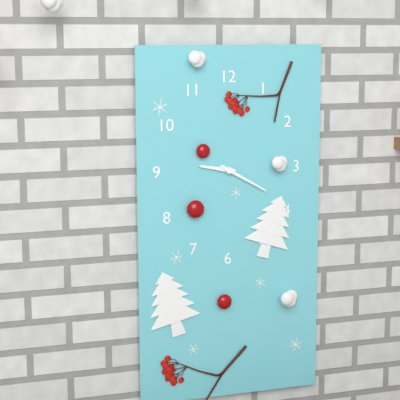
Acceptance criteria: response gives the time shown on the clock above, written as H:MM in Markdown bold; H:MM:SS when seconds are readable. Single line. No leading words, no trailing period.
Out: **9:20**
